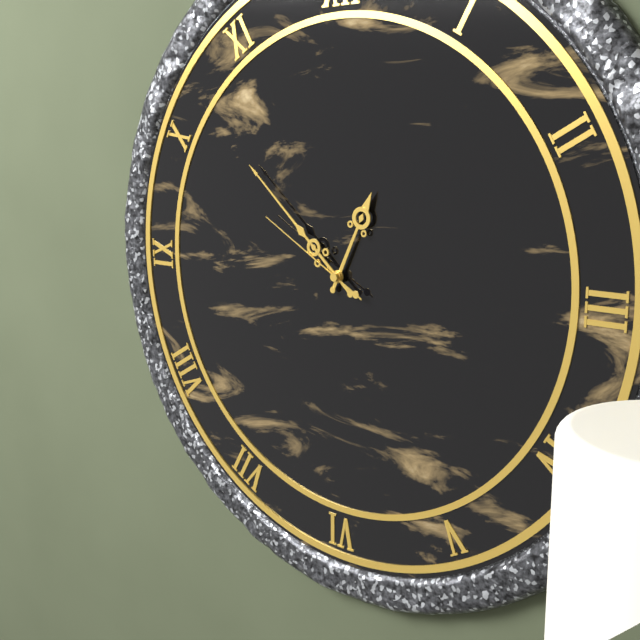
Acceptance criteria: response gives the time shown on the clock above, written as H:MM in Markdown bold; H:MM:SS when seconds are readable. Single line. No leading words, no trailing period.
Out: **12:52:50**
